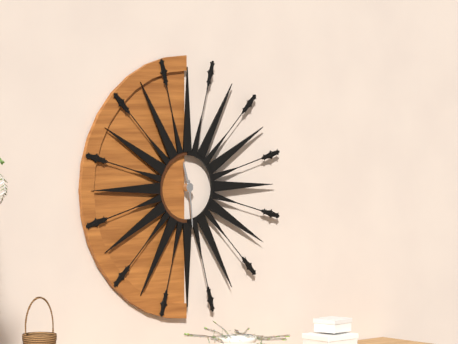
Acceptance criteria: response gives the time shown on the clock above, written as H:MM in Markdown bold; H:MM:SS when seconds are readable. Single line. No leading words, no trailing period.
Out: **11:29**
